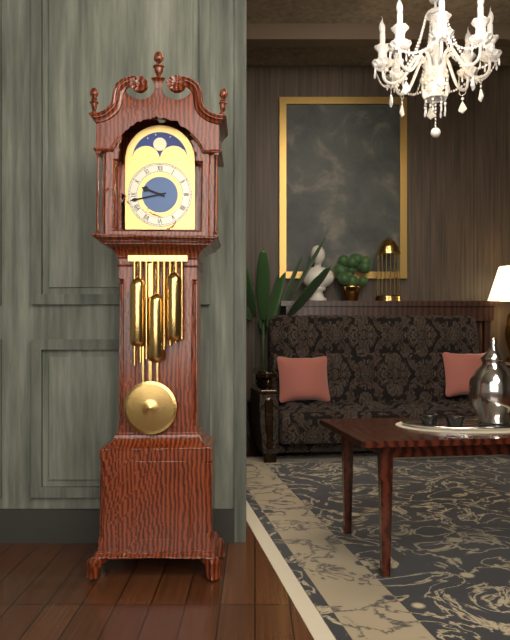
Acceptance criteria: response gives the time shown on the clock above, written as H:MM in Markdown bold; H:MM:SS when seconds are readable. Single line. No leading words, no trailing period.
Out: **9:43**
